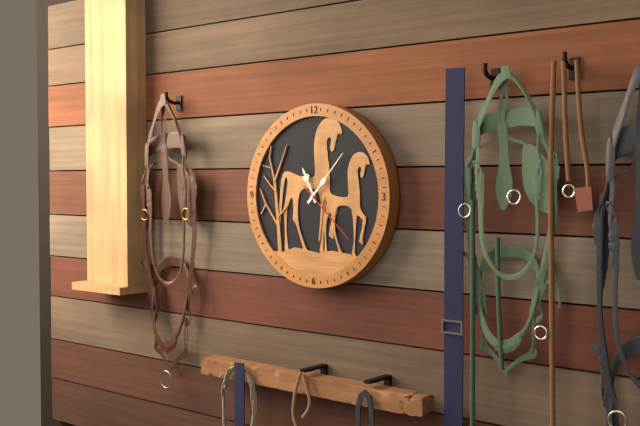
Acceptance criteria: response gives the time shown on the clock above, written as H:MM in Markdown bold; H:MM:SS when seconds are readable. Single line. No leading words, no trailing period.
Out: **11:07:22**
